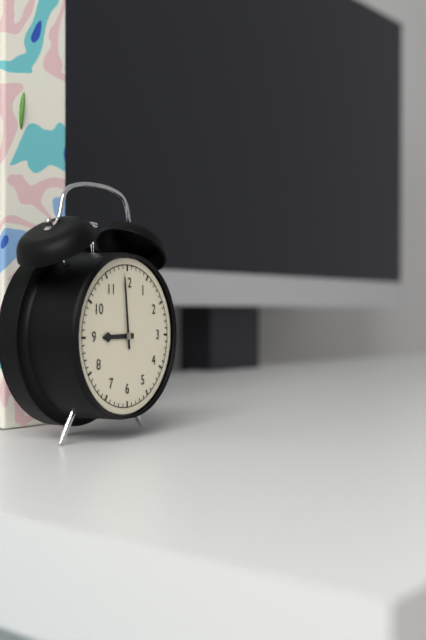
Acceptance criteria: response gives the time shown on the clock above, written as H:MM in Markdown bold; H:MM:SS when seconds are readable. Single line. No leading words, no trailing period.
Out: **8:59**
